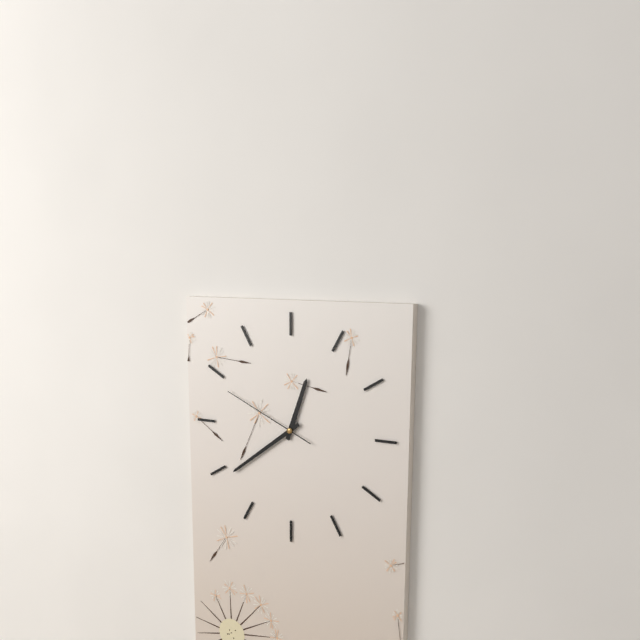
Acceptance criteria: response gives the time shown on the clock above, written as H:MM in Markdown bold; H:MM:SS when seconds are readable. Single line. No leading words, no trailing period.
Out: **12:39:49**
